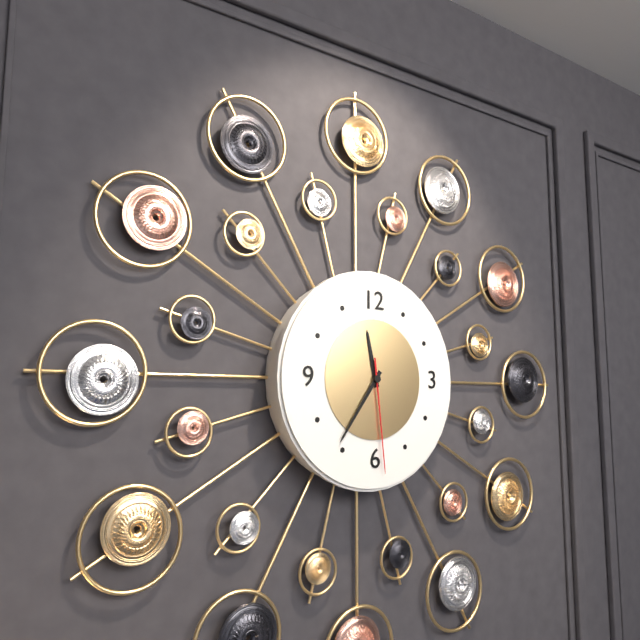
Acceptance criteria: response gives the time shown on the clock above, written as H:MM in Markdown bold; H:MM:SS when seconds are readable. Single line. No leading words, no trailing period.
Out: **11:36:29**
